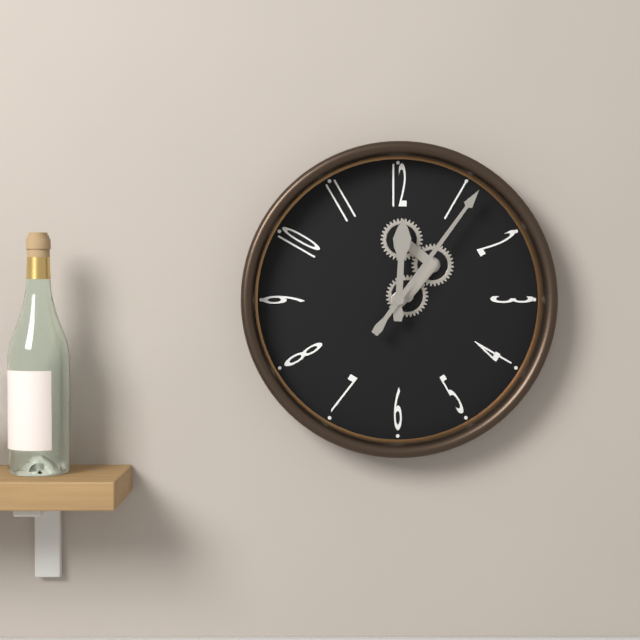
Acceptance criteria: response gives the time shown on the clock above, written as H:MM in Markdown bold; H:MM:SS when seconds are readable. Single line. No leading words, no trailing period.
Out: **12:06**
